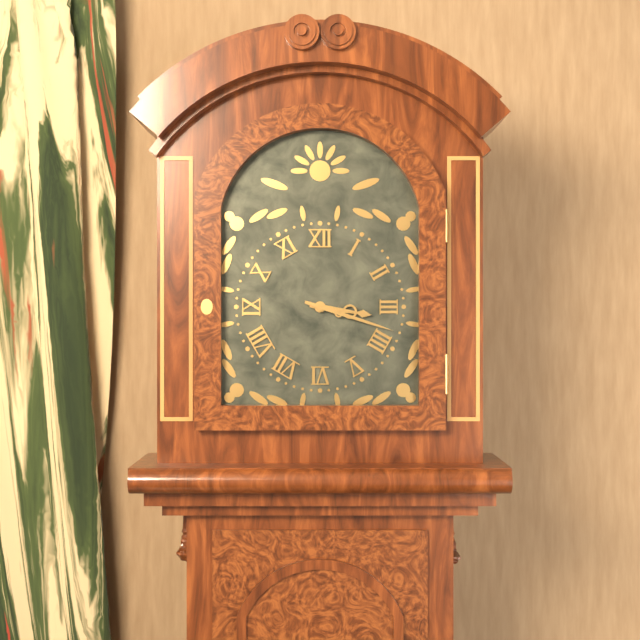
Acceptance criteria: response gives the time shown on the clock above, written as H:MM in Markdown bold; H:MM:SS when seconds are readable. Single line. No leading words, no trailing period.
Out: **3:18**
